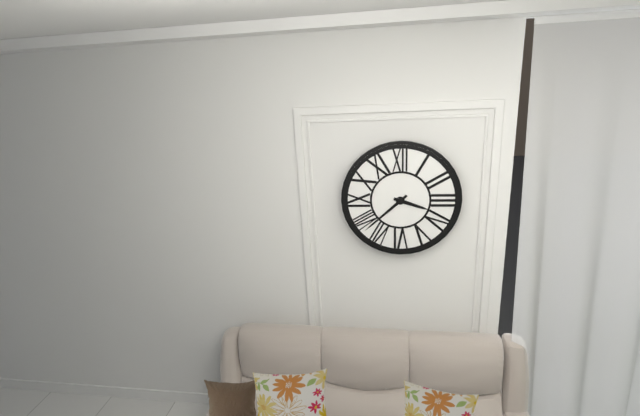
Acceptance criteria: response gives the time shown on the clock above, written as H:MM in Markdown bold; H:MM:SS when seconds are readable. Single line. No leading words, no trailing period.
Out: **3:38**
